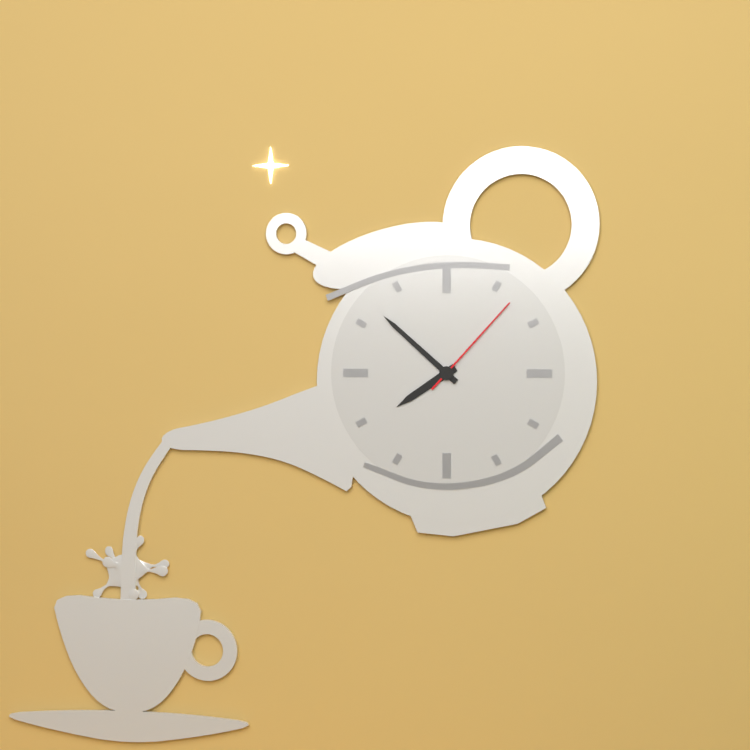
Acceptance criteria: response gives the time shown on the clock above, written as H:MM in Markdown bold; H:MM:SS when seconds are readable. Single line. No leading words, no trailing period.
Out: **7:52:07**
